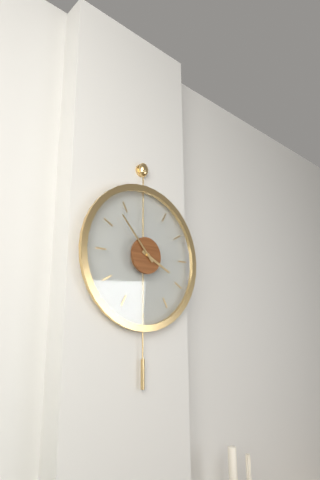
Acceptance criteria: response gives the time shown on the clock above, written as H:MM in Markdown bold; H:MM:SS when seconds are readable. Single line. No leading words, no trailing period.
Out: **3:53**
